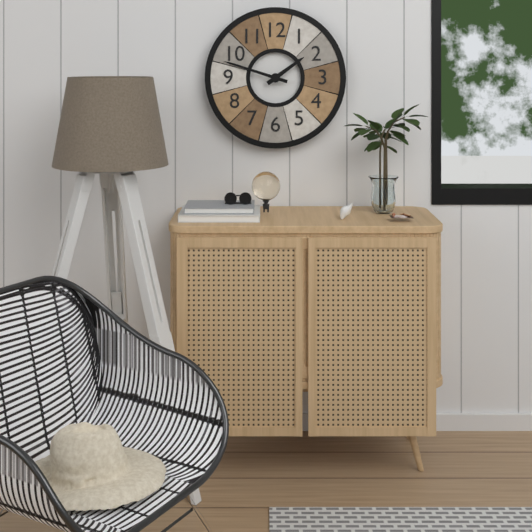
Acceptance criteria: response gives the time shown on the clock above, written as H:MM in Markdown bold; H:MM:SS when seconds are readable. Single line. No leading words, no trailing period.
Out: **1:48**
